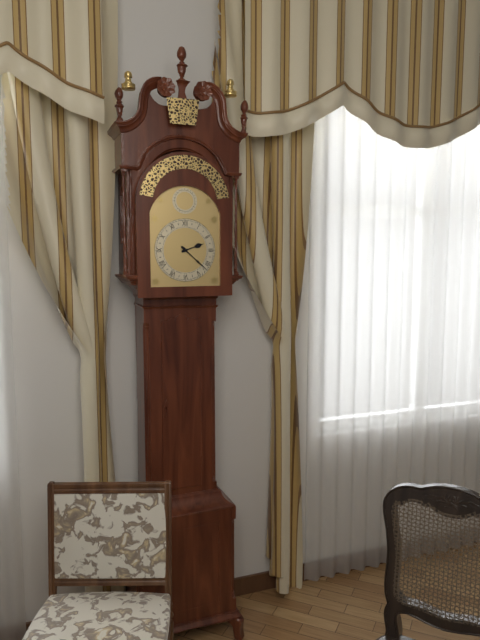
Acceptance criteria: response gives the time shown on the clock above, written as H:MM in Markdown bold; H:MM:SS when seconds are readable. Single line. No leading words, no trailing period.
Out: **2:22**
